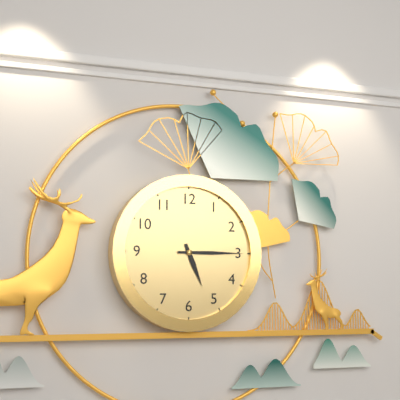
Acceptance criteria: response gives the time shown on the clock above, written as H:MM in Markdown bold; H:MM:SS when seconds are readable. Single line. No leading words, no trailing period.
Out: **5:15**
